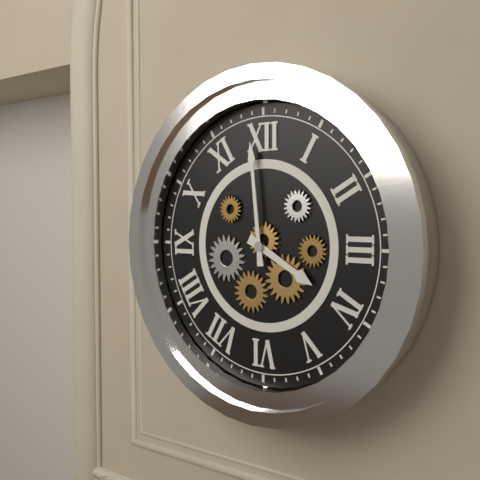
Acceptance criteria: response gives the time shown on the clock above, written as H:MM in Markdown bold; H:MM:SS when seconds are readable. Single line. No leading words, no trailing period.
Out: **3:59**
